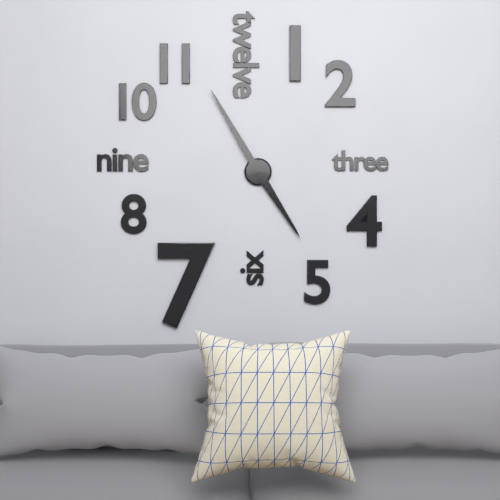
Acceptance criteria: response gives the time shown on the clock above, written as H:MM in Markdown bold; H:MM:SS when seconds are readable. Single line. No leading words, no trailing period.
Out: **4:55**
